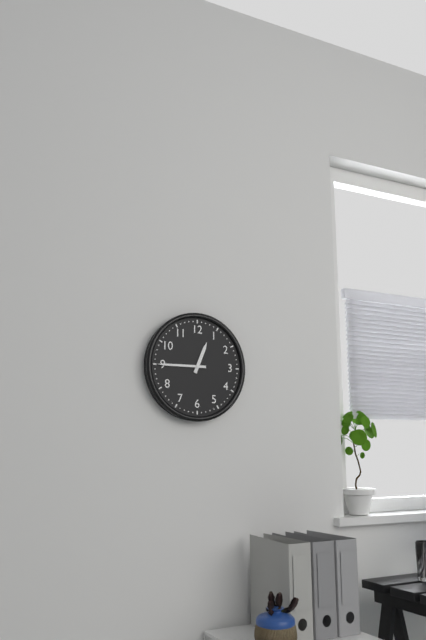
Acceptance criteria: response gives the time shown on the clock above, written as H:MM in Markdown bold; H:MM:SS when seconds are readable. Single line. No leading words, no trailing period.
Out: **12:45**
